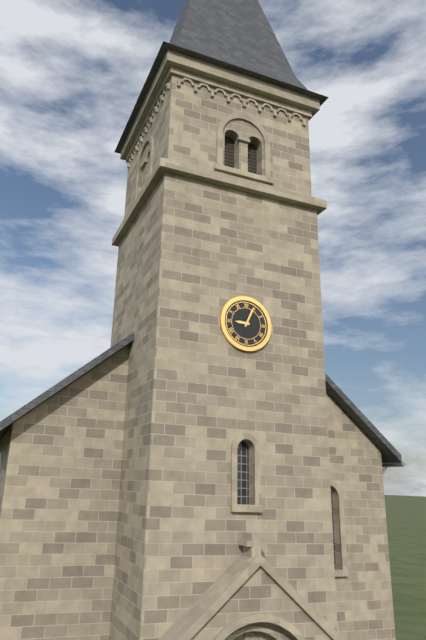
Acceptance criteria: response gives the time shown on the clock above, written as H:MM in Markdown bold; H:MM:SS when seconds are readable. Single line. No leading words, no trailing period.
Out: **9:04**
